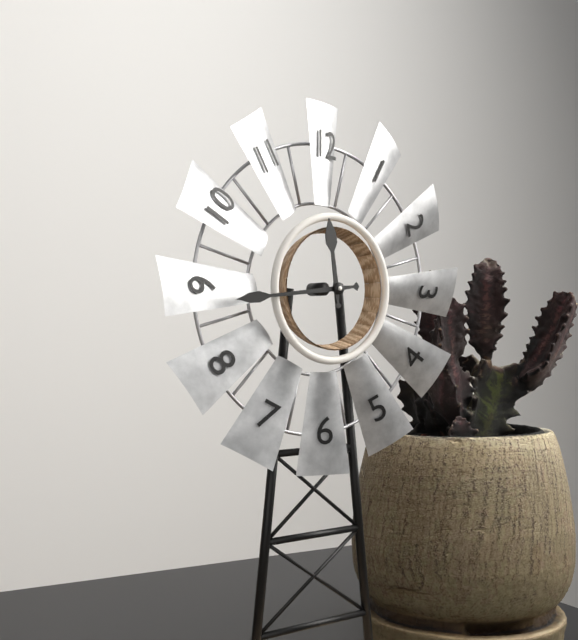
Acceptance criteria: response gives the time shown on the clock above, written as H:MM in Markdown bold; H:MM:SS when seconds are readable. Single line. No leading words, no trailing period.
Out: **11:44**
